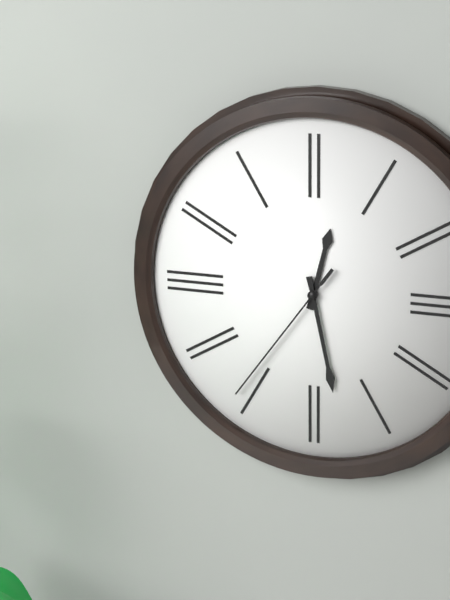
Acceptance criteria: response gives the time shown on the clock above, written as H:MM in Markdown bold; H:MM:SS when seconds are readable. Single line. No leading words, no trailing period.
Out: **12:28:36**
